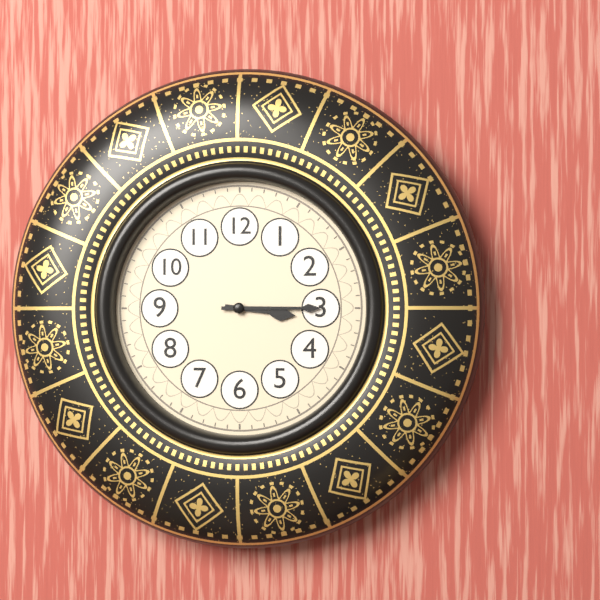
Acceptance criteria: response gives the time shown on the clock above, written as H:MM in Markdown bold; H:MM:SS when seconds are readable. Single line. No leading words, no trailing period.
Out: **3:15**
